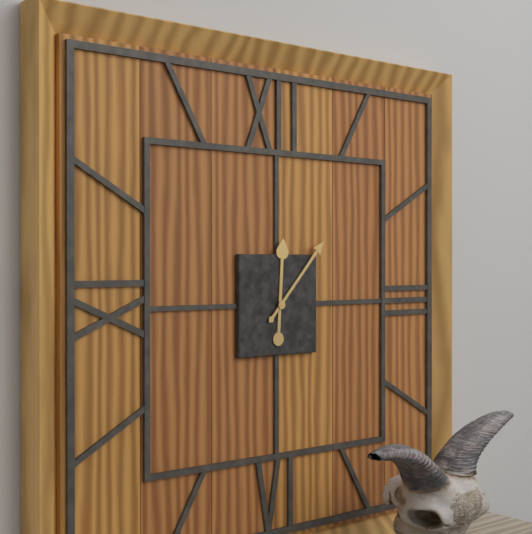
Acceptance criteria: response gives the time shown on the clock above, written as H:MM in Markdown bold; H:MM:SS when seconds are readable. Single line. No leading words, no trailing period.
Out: **12:07**
